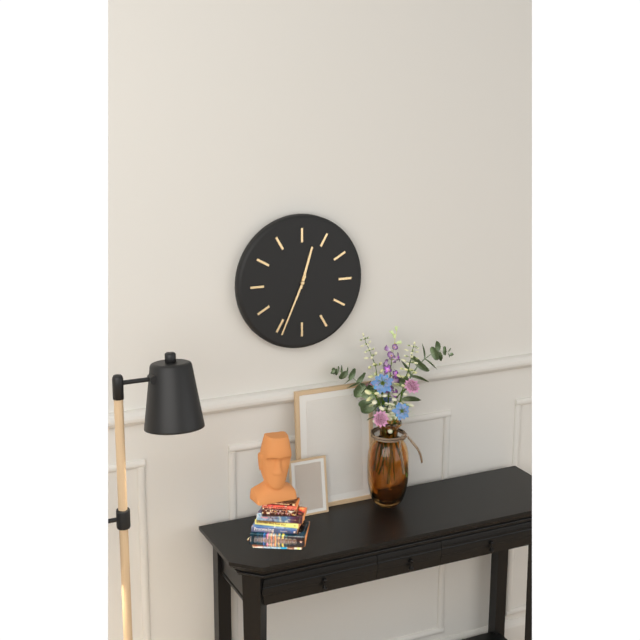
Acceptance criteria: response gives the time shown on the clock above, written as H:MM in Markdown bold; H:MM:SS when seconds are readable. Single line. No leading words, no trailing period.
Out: **12:34**
